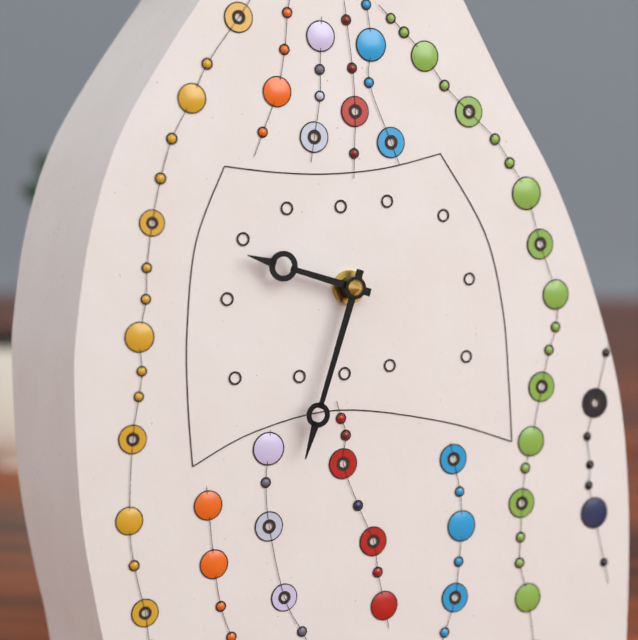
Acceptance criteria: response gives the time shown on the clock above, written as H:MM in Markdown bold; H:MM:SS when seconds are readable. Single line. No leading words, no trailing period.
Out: **9:33**
